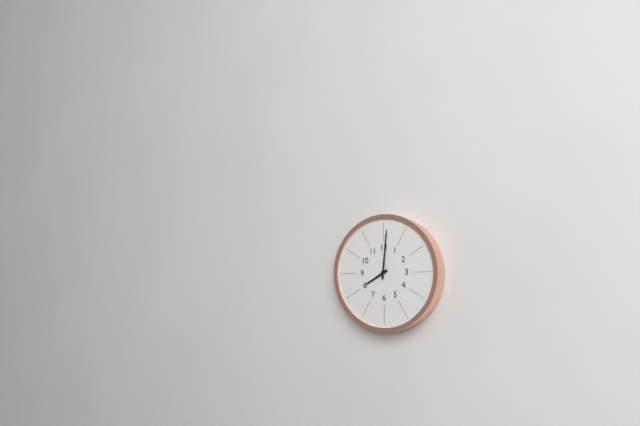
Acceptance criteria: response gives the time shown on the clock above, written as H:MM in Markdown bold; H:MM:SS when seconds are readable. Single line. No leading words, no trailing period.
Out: **8:01**
